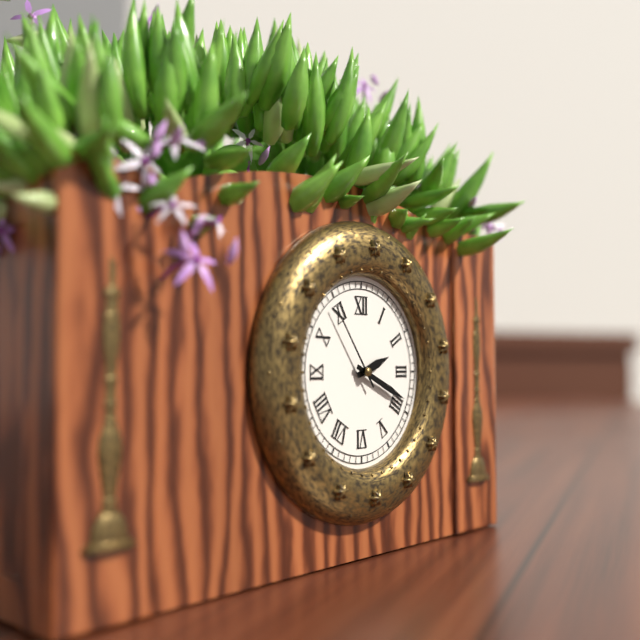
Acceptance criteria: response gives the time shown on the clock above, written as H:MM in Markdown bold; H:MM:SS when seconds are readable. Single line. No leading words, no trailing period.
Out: **2:19:54**
